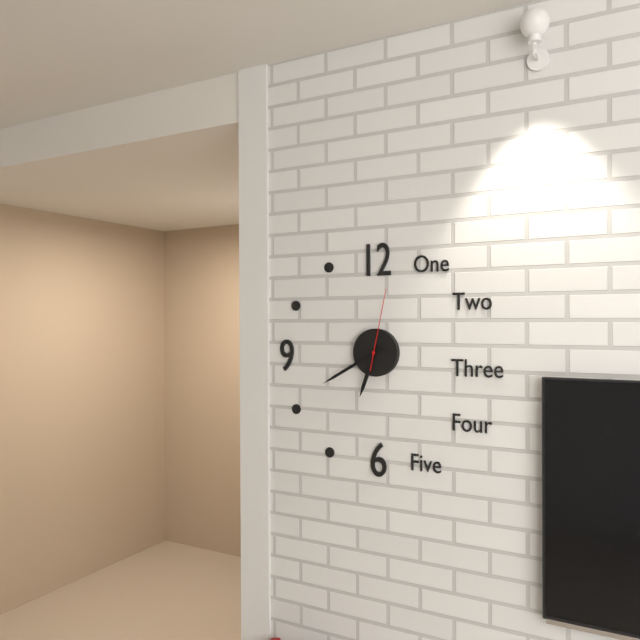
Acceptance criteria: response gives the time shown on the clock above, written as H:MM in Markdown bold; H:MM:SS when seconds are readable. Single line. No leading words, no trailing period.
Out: **6:40:02**
